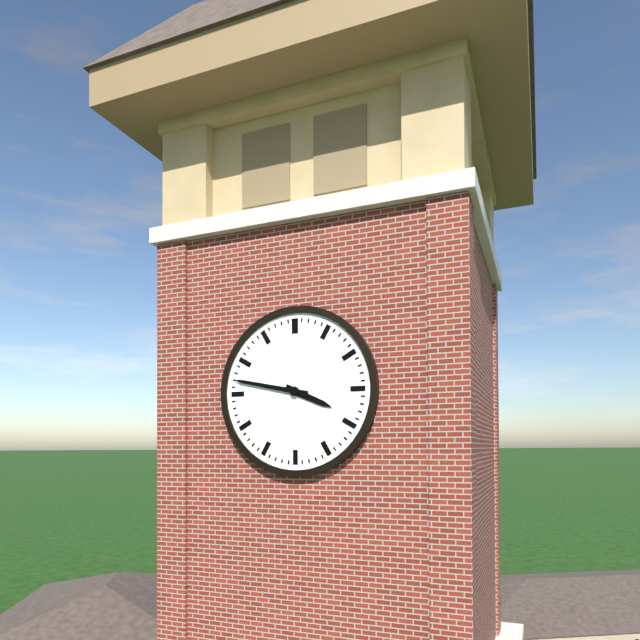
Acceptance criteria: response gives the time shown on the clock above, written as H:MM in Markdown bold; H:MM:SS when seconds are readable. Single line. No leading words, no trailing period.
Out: **3:47**
